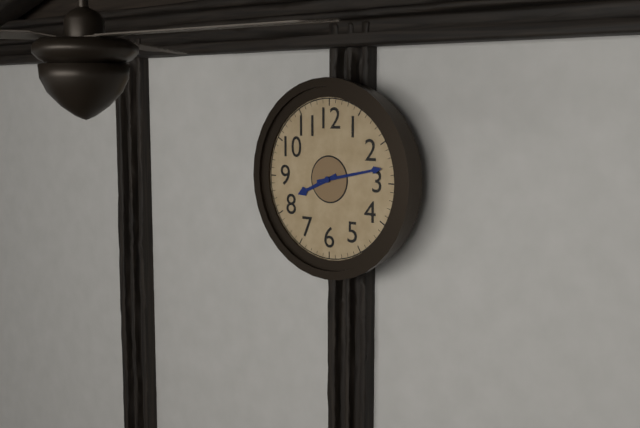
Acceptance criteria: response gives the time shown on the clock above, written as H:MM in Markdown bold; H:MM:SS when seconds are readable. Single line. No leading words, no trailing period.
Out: **8:13**
